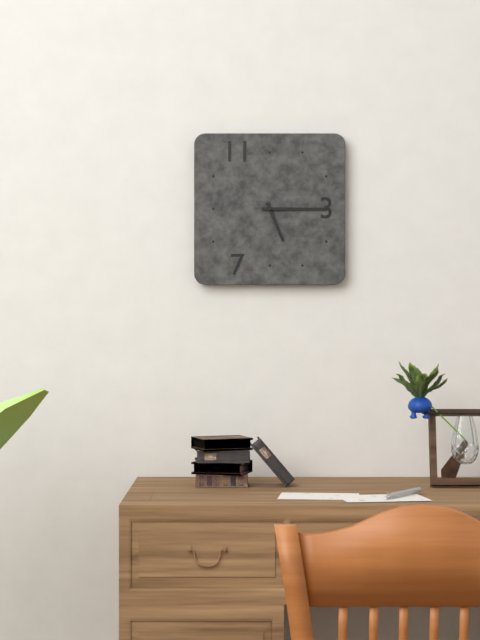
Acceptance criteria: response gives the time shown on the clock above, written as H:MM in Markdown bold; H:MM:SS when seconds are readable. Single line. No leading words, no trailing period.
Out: **5:15**
